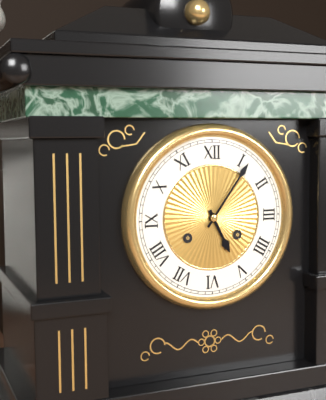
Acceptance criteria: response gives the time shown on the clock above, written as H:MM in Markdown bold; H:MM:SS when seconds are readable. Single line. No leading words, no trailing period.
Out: **5:06**
